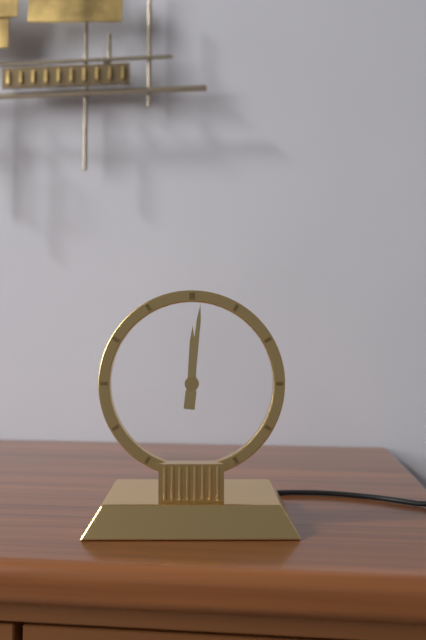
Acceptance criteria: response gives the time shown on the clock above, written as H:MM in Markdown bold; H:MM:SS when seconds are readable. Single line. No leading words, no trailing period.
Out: **12:01**
